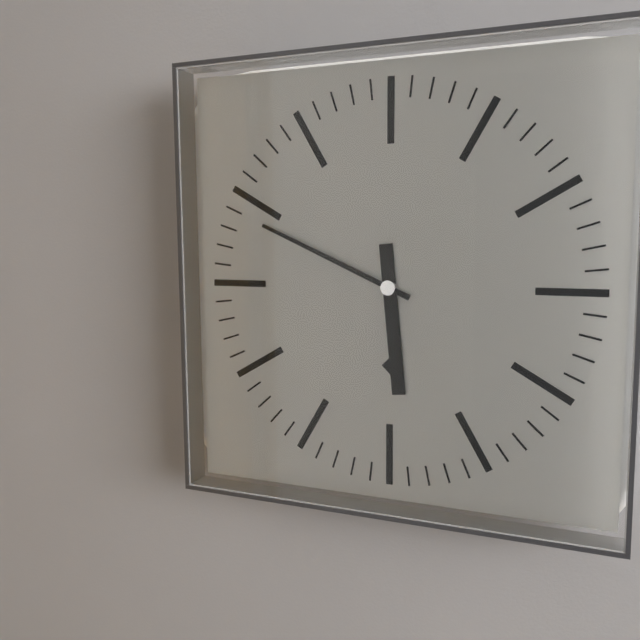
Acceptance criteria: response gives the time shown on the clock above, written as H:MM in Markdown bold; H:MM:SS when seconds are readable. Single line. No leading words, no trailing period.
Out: **5:49**
